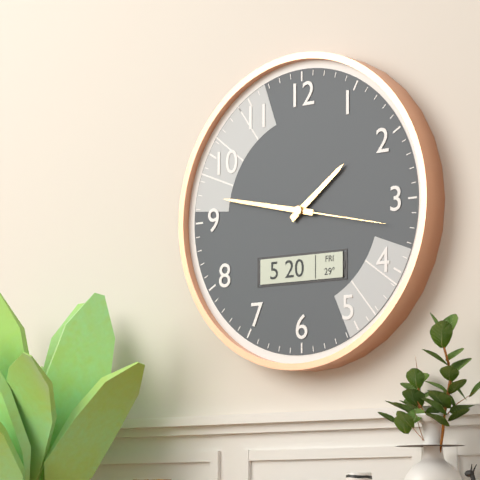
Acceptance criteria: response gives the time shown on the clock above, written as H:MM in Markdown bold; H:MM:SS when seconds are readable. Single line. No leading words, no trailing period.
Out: **1:47:17**
